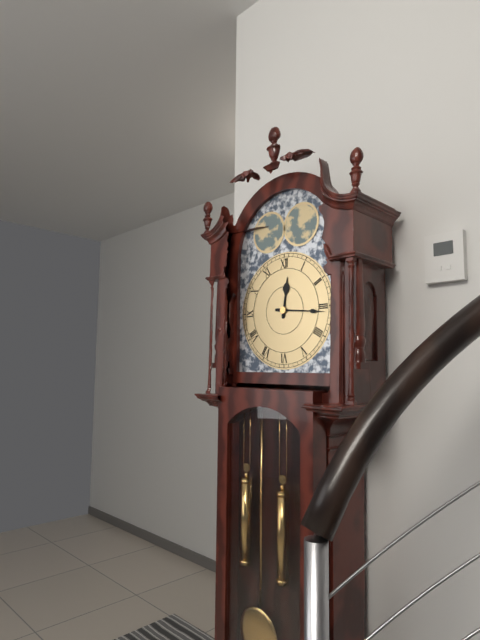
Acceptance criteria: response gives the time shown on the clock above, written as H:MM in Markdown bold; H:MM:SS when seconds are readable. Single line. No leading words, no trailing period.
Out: **12:16**
